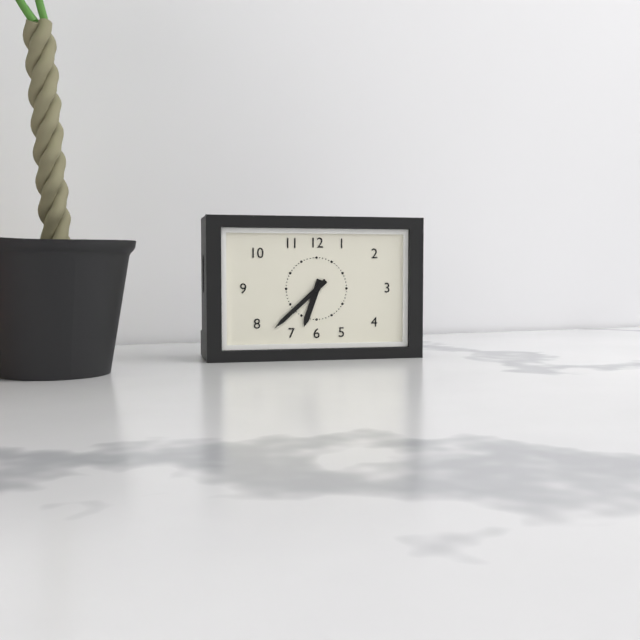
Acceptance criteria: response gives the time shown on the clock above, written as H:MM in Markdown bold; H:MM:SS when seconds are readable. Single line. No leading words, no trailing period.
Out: **6:38**
